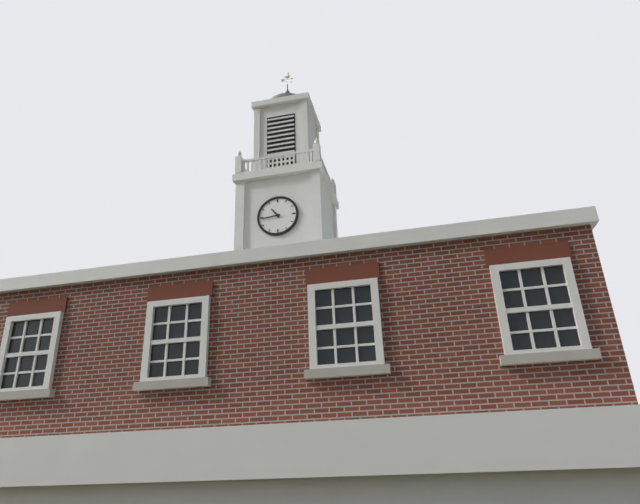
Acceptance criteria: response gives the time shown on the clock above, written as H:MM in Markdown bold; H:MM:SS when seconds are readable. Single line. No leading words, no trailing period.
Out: **10:44**
